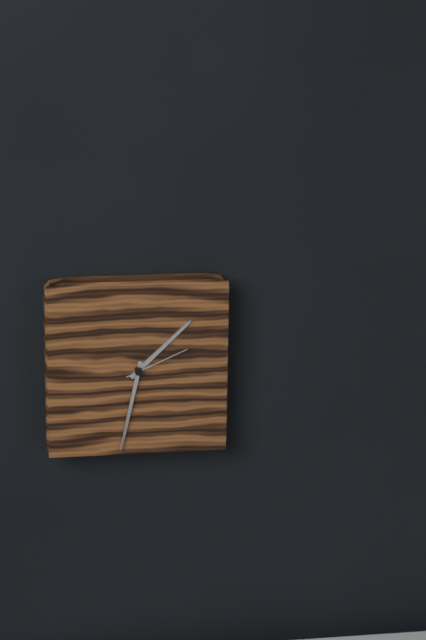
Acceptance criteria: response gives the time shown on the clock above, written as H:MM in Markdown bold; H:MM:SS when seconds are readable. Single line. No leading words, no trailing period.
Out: **1:32:11**
